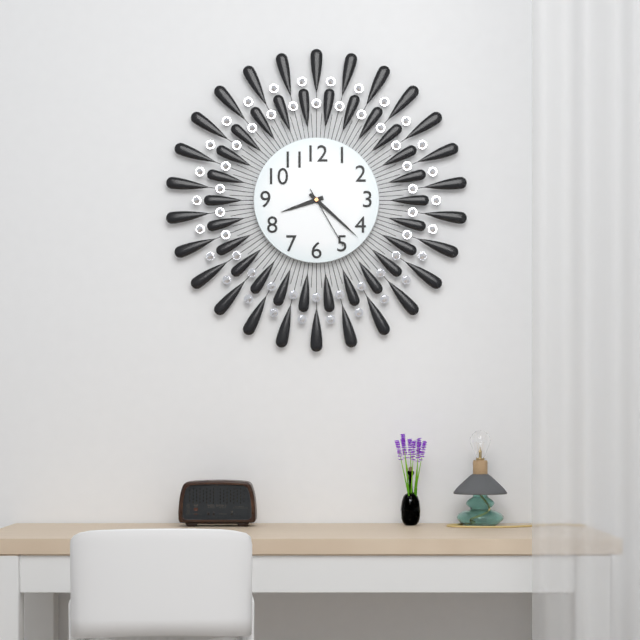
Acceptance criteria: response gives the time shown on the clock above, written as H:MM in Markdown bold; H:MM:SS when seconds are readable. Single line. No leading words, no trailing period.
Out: **8:22:25**
